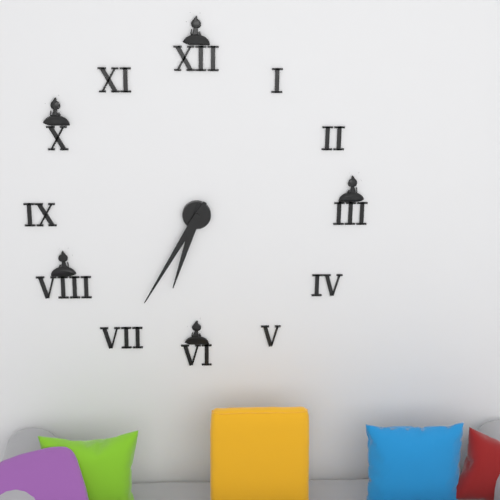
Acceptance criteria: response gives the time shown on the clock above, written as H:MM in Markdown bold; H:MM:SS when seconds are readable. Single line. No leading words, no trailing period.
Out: **6:35**
